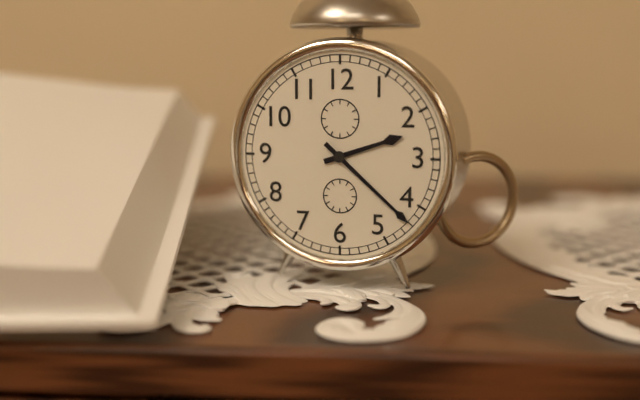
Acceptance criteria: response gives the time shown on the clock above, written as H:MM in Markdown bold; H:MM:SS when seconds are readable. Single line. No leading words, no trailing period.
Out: **2:22**
